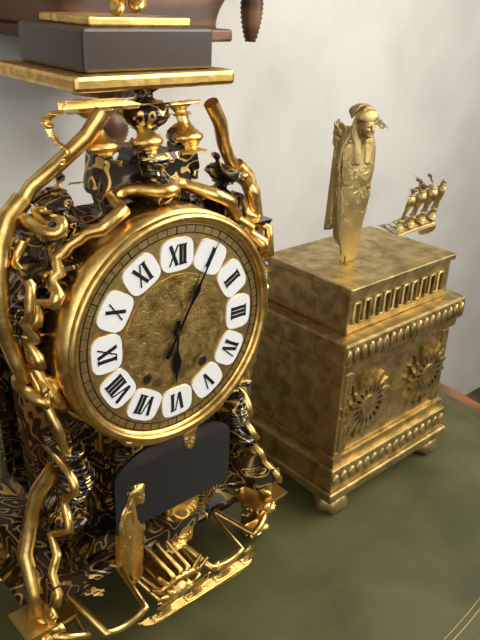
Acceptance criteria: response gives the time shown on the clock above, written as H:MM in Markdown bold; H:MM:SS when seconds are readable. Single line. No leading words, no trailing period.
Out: **6:05**
